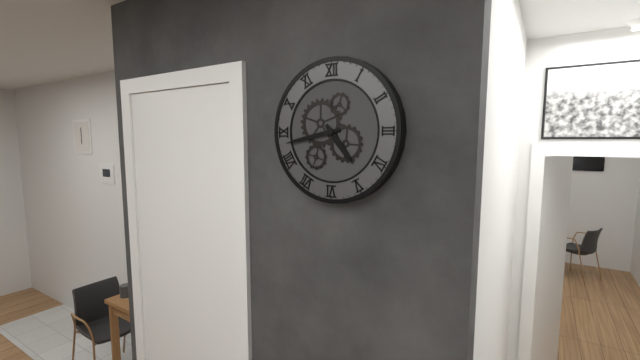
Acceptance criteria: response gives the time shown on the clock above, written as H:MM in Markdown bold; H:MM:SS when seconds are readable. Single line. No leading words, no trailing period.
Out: **4:43**
